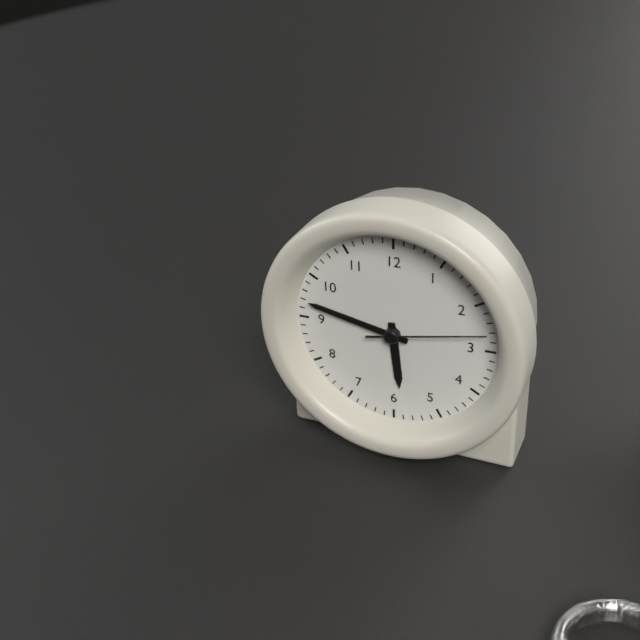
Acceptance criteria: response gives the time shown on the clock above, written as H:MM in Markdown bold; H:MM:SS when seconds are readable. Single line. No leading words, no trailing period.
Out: **5:47:13**
